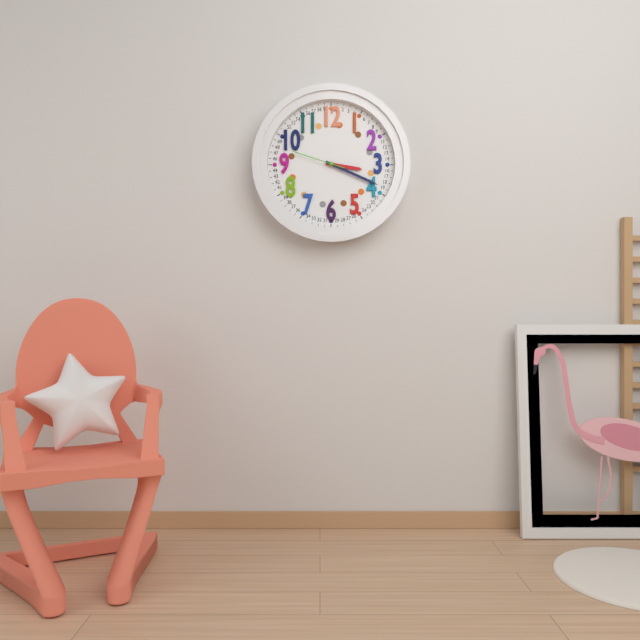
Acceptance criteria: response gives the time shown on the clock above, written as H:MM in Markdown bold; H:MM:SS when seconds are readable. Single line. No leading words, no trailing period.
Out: **3:19:48**
